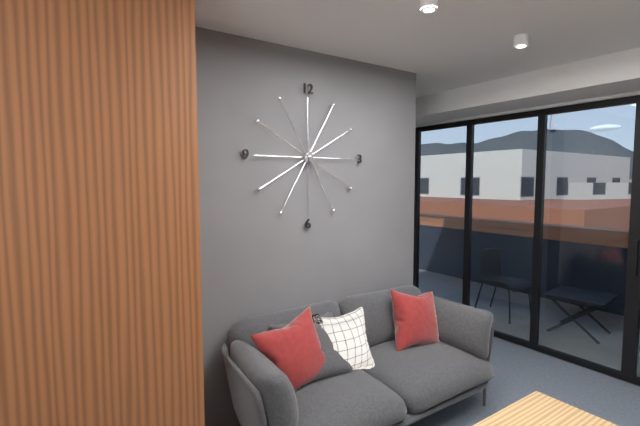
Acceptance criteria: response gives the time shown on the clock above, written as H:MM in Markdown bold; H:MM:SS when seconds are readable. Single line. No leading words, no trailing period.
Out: **4:59**
